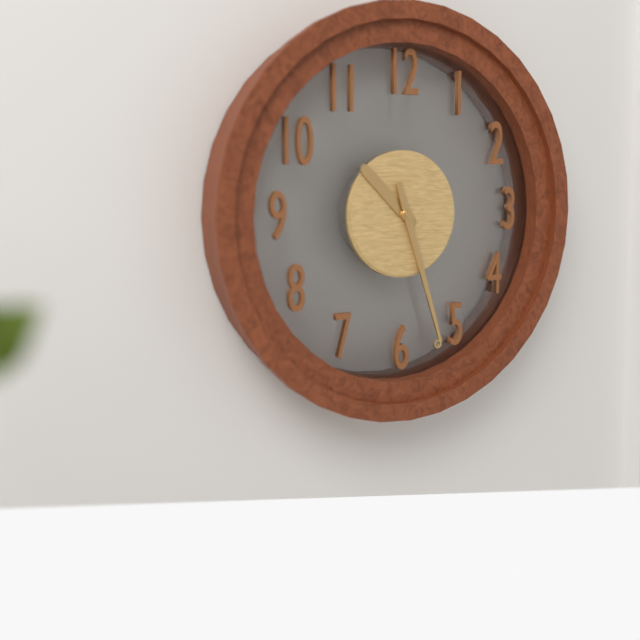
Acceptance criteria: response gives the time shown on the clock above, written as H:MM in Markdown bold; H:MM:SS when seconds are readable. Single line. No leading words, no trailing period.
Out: **10:27**
